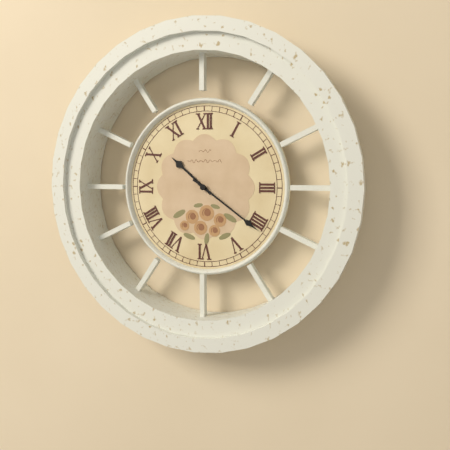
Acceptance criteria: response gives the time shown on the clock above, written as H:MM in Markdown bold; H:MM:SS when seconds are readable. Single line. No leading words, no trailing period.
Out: **10:21**
